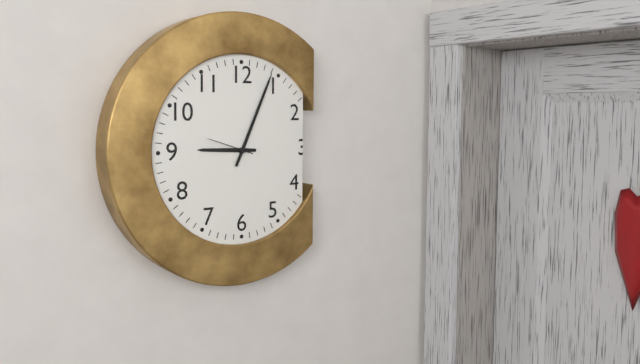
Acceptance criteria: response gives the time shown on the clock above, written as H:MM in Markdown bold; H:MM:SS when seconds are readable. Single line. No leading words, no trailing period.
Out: **9:04**
